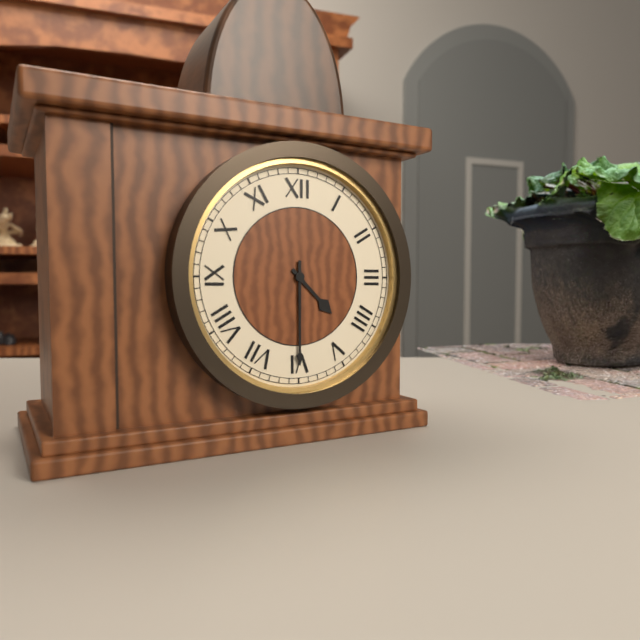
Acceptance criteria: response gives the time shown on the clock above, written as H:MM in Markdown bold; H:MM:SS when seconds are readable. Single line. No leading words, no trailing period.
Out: **4:30**
